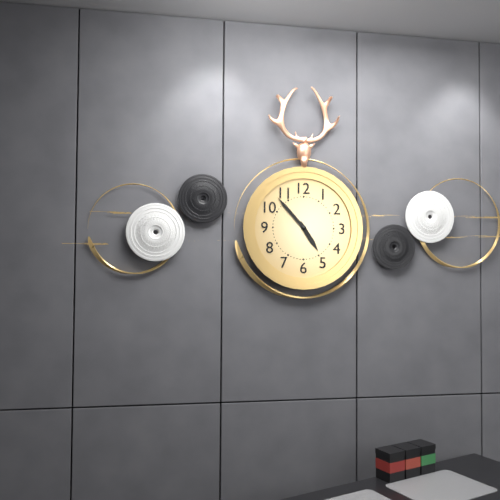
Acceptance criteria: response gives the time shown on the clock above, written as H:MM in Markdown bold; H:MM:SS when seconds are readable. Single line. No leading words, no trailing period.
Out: **4:53**
